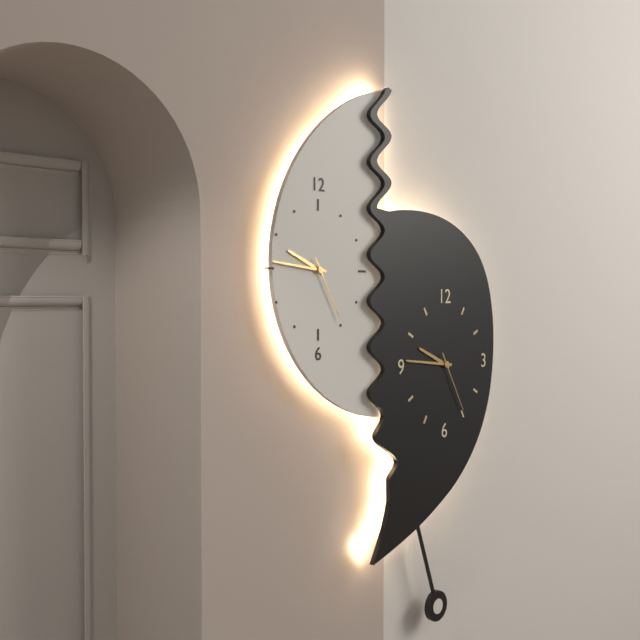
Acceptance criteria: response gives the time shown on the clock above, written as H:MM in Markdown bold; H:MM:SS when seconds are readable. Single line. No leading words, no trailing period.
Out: **9:46:25**
